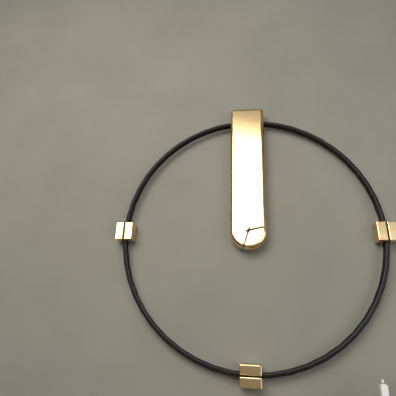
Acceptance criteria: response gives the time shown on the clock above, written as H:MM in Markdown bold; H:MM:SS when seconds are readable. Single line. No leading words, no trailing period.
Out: **2:33**
